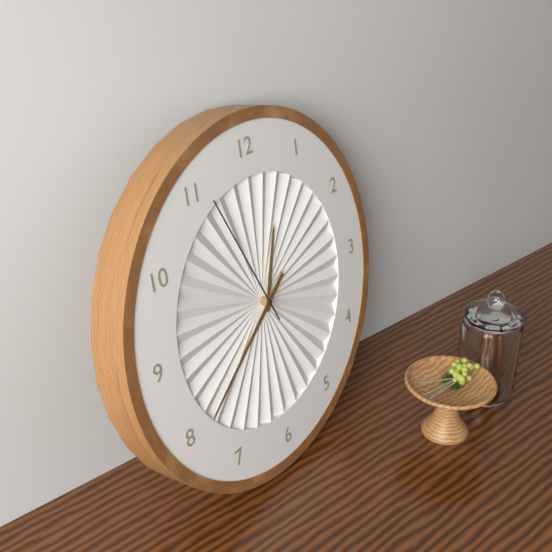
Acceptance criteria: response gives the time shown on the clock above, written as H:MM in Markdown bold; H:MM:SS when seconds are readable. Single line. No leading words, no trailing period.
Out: **12:39:56**
